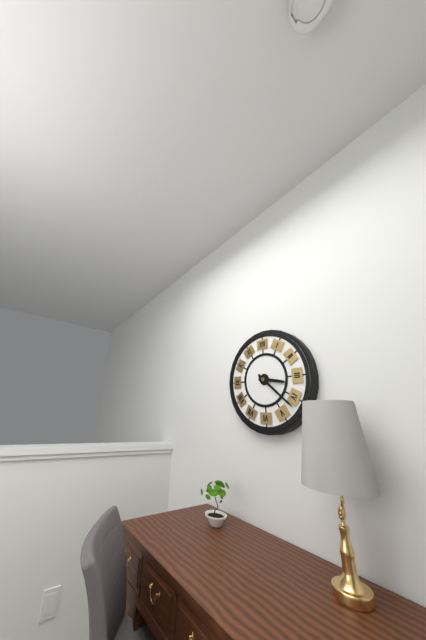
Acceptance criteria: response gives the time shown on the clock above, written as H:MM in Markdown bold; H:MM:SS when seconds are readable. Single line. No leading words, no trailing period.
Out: **3:22**
